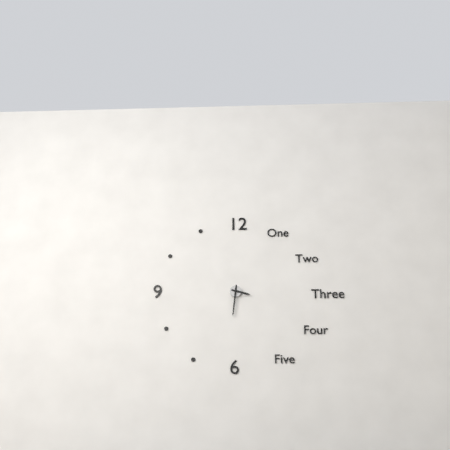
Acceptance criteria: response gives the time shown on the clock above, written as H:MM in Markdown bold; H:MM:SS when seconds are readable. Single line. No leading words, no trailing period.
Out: **3:31**
